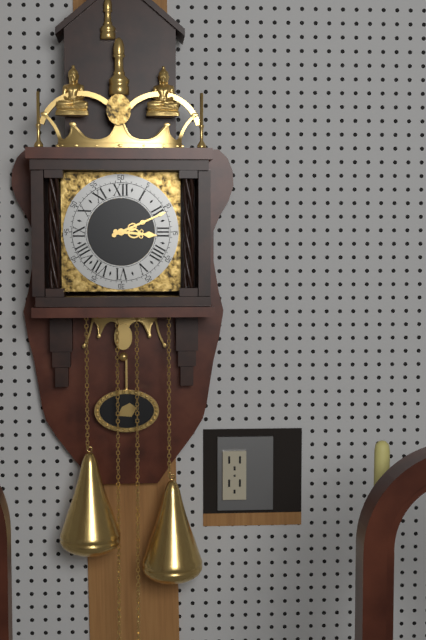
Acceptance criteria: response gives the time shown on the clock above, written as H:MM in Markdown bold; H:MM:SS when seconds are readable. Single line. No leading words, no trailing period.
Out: **3:11**
